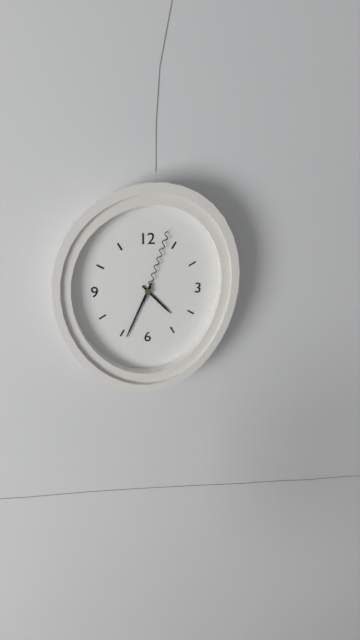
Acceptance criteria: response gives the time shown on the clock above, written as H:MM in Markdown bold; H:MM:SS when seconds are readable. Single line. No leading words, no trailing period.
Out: **4:34:03**
